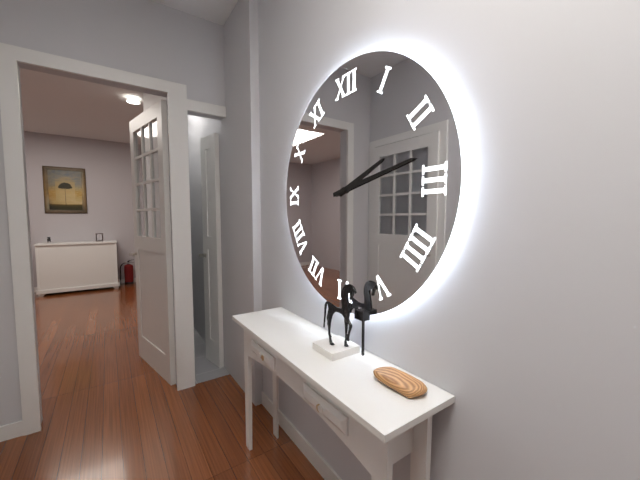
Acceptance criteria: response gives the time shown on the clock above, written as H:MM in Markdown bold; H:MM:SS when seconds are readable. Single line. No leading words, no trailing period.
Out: **2:13**
